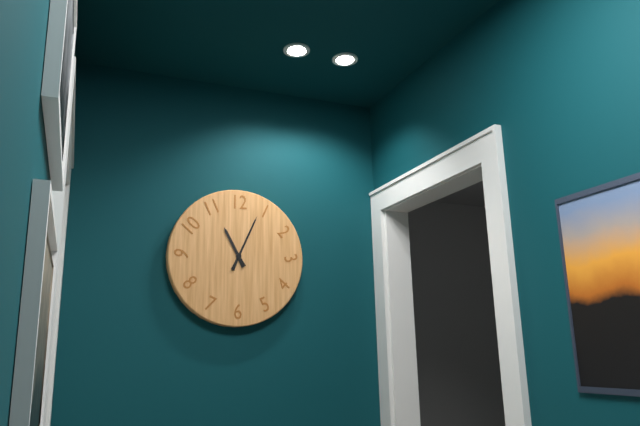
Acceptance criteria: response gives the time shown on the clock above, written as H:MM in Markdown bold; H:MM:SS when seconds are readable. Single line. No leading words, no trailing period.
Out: **11:04**
